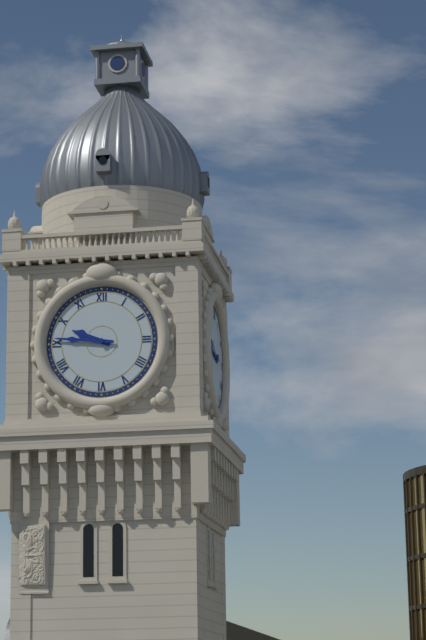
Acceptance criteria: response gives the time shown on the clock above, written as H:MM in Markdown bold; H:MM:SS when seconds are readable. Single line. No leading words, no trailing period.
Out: **9:46**
